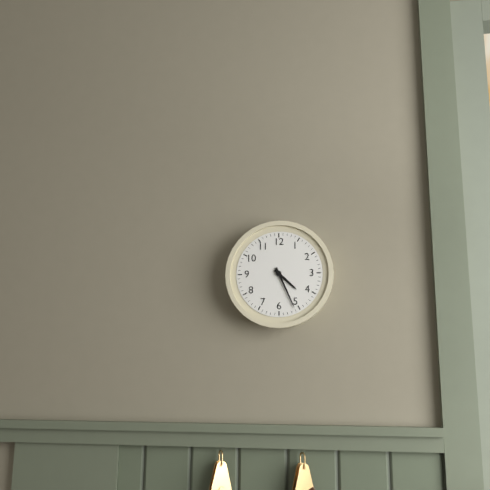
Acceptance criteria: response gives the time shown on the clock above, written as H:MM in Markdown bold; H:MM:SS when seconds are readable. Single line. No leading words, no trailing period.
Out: **4:26**
